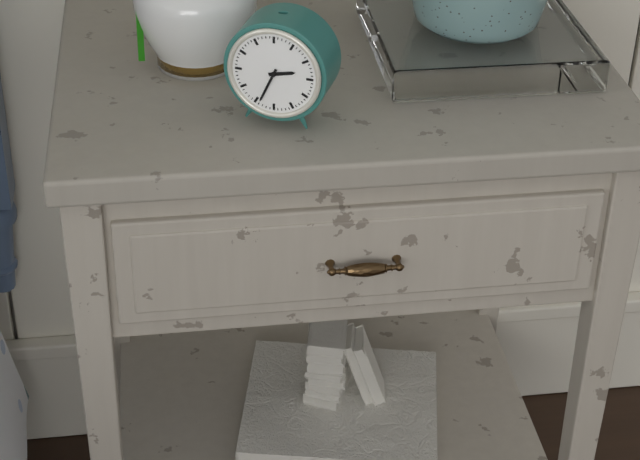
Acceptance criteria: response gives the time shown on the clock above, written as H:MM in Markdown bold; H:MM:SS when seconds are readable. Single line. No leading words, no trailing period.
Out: **2:34**
